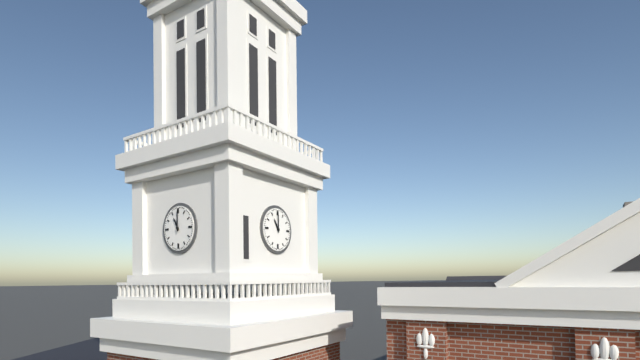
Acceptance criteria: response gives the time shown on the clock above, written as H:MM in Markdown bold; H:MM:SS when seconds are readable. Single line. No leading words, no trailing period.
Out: **11:00**
